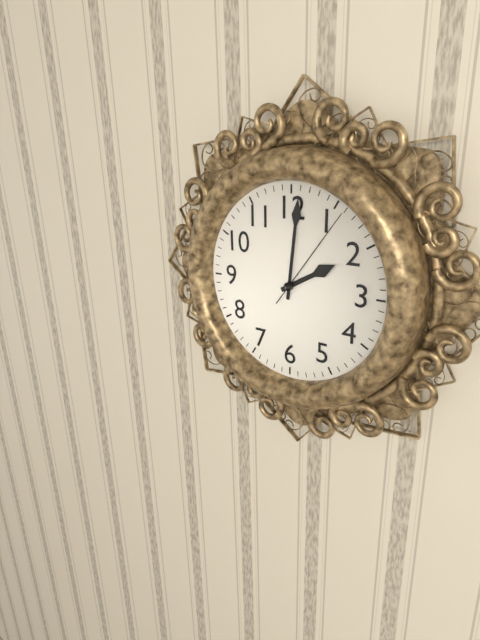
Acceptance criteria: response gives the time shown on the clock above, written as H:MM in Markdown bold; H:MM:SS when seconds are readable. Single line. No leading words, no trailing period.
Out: **2:01:06**
